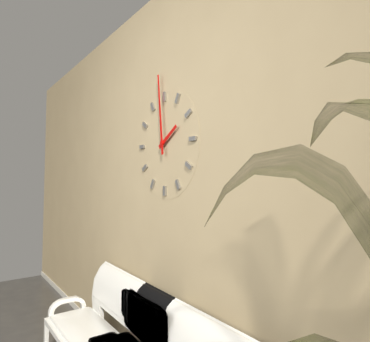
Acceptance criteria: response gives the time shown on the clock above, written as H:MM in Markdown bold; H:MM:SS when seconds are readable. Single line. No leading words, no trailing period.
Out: **1:59**
